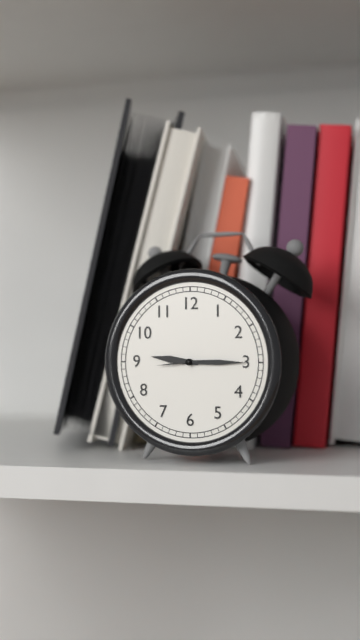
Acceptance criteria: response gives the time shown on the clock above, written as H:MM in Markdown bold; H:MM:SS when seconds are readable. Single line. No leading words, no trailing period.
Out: **9:15**
